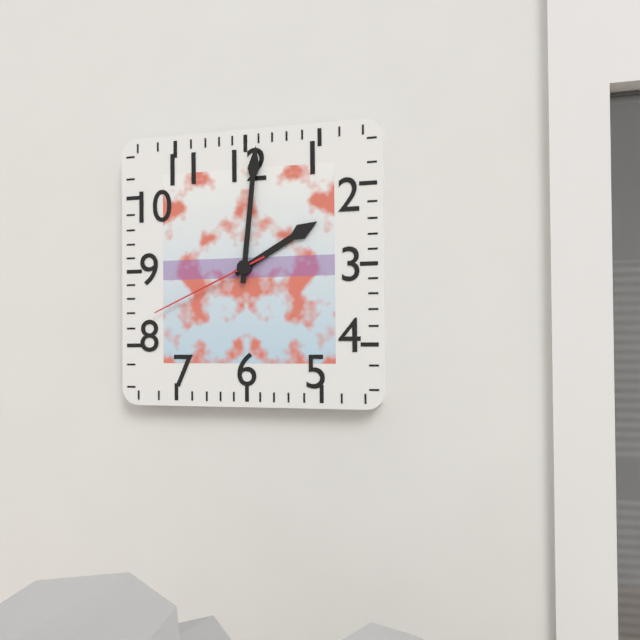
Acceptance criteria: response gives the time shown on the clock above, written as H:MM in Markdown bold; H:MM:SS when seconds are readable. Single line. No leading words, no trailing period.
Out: **2:01:41**
